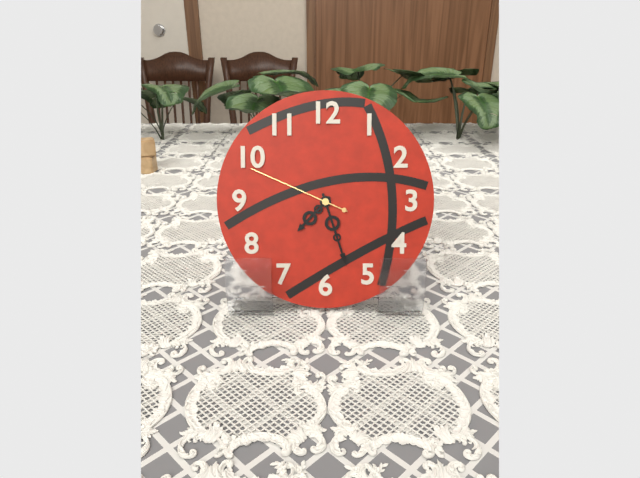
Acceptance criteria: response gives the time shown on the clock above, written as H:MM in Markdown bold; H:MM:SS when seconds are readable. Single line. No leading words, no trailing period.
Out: **7:27:49**
